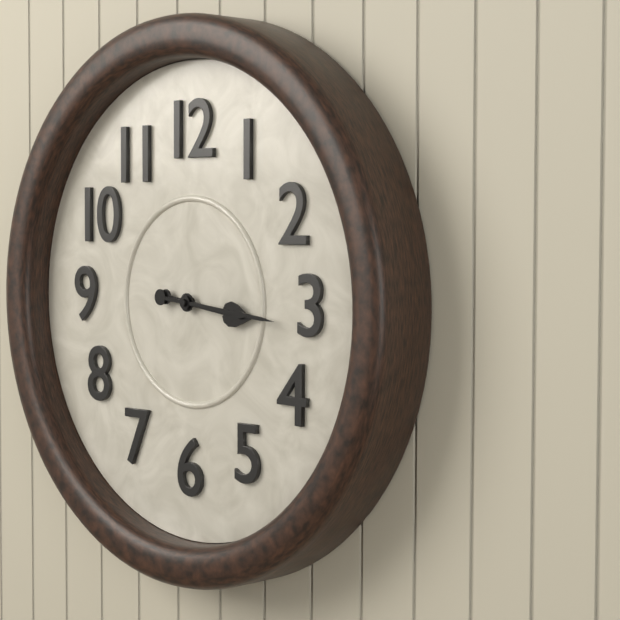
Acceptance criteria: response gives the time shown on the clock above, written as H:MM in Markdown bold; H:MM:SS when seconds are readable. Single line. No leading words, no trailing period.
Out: **3:16**
